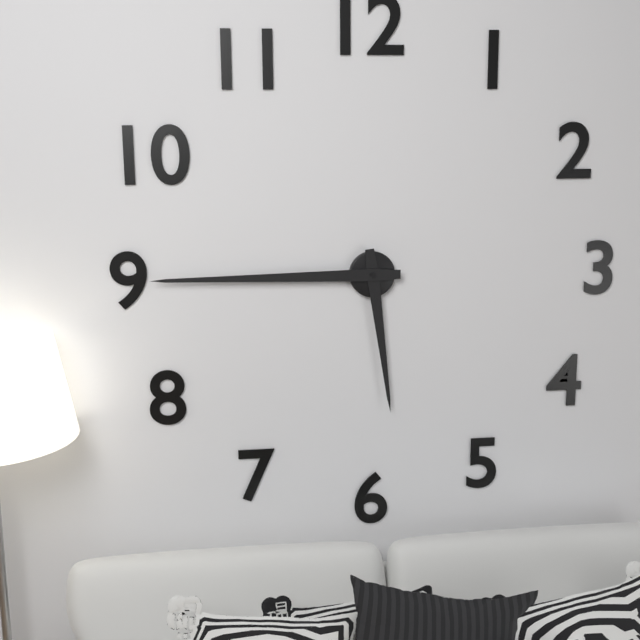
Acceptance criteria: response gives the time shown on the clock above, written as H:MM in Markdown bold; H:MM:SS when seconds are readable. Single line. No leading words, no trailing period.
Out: **5:45**
